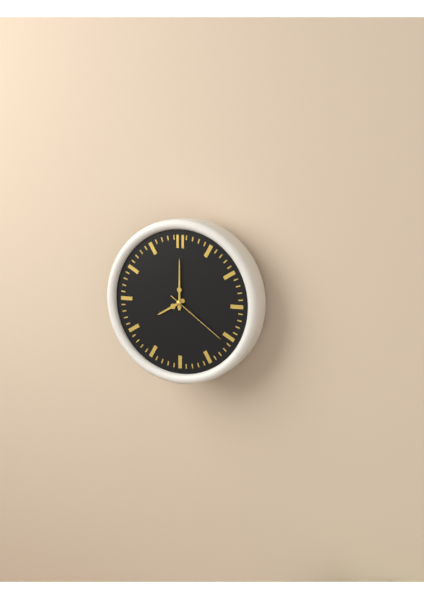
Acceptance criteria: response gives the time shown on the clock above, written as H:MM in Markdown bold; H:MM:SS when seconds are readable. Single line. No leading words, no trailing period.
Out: **8:00:21**
